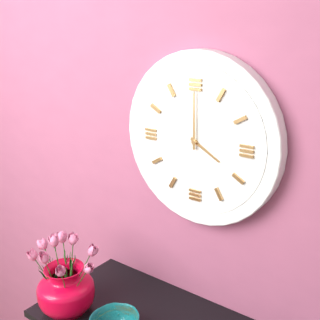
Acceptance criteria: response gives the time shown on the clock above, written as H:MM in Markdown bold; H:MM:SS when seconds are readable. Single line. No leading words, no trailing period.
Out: **4:00**
